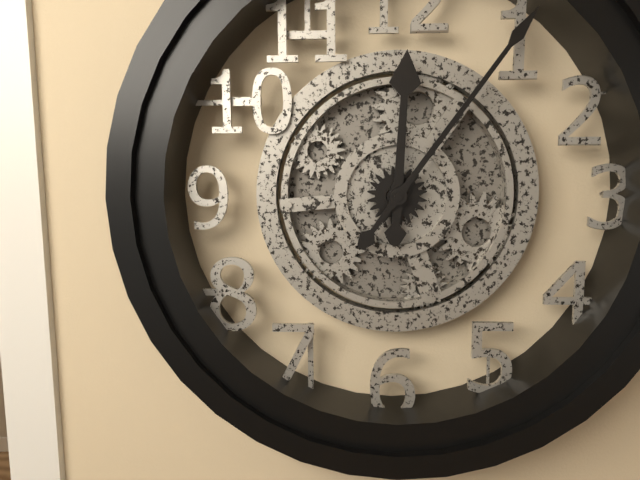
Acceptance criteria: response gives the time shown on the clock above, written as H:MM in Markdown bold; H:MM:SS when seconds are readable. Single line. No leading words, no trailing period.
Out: **12:06**
